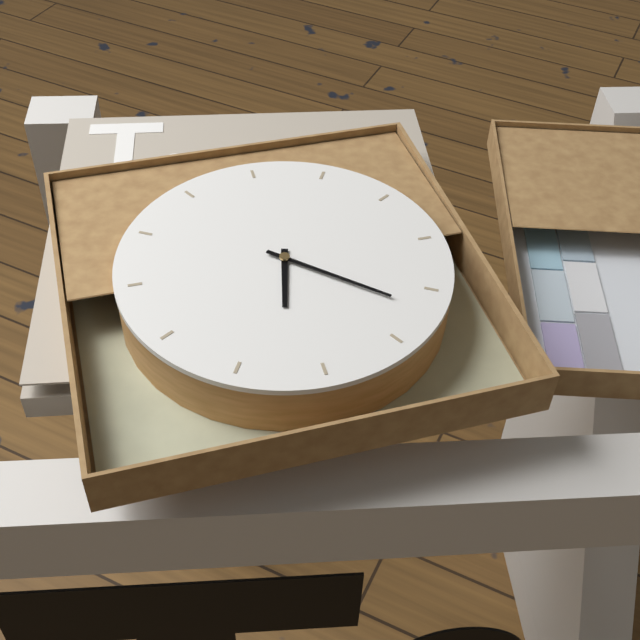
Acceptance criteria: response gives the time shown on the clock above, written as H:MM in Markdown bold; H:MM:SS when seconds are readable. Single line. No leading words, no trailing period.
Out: **7:27**
